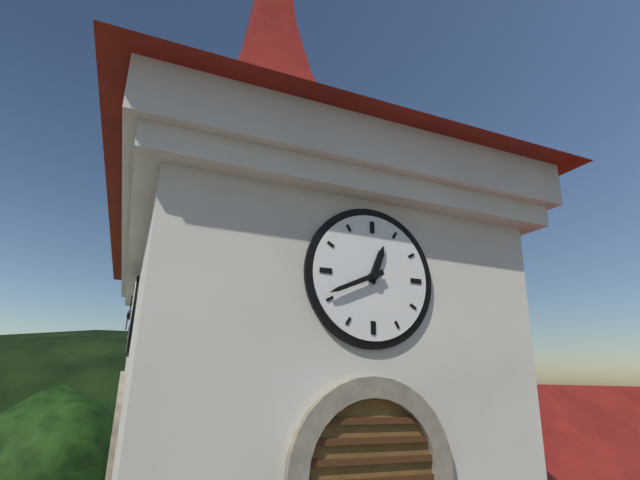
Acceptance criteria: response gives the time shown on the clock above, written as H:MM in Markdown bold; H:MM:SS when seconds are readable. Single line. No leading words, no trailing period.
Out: **12:41**
